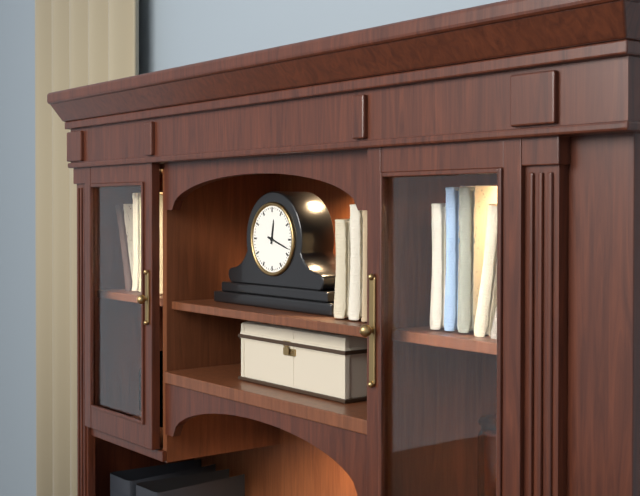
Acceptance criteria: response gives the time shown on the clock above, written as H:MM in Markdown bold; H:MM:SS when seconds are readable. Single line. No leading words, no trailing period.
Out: **12:18**
